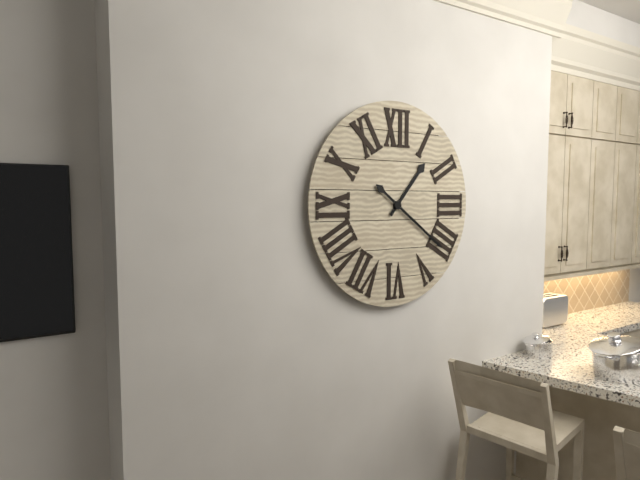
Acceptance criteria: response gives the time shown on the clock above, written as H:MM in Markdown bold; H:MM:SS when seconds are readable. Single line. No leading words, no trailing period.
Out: **1:21**
